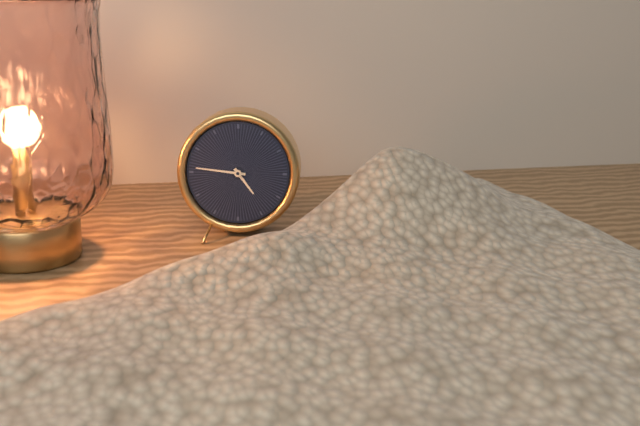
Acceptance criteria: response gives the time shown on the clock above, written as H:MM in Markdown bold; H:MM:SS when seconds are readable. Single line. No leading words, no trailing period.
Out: **4:46**
